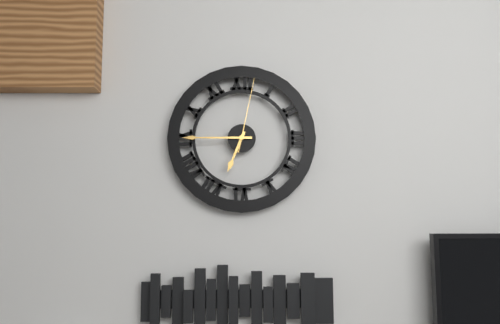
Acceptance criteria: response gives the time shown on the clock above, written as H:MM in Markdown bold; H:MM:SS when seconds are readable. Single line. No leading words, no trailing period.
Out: **6:45:02**
